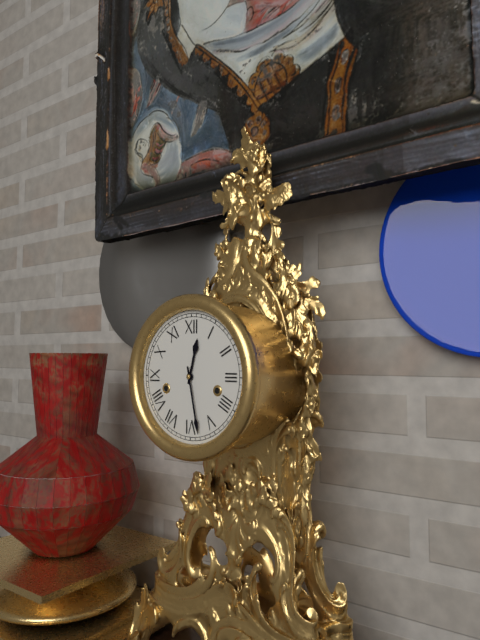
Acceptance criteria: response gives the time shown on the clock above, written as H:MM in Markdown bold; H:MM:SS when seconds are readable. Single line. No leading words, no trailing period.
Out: **12:28**
